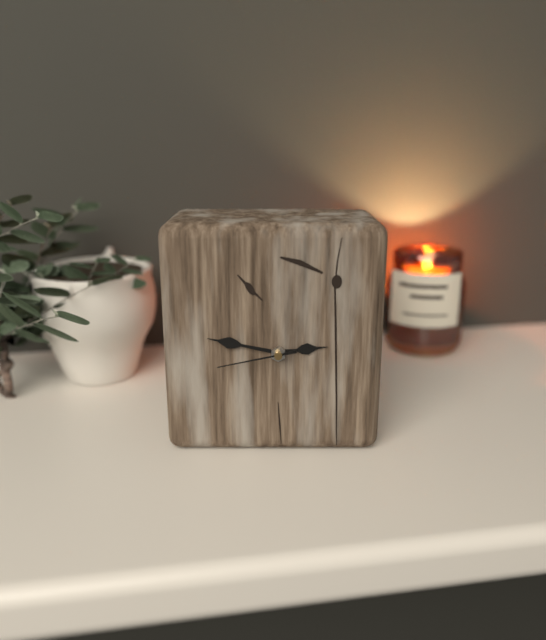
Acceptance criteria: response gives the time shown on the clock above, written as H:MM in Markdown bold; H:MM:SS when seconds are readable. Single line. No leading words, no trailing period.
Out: **2:47:43**
